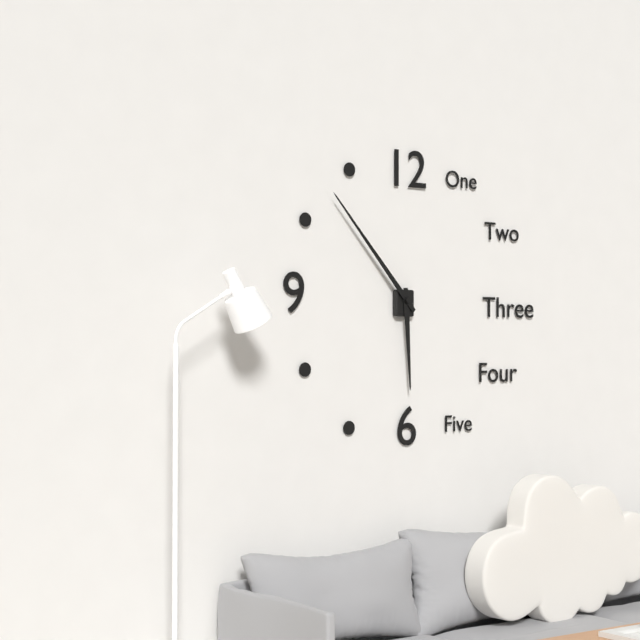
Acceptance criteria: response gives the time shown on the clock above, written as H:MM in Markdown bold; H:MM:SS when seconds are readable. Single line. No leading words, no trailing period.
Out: **5:53**
